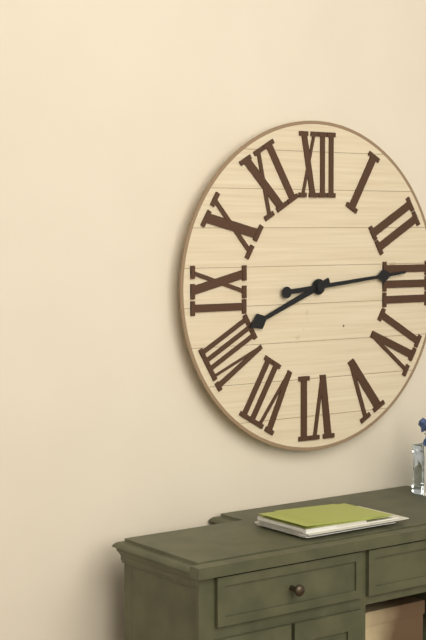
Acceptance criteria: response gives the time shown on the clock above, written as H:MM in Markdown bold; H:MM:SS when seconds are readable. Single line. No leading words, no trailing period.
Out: **8:14**
